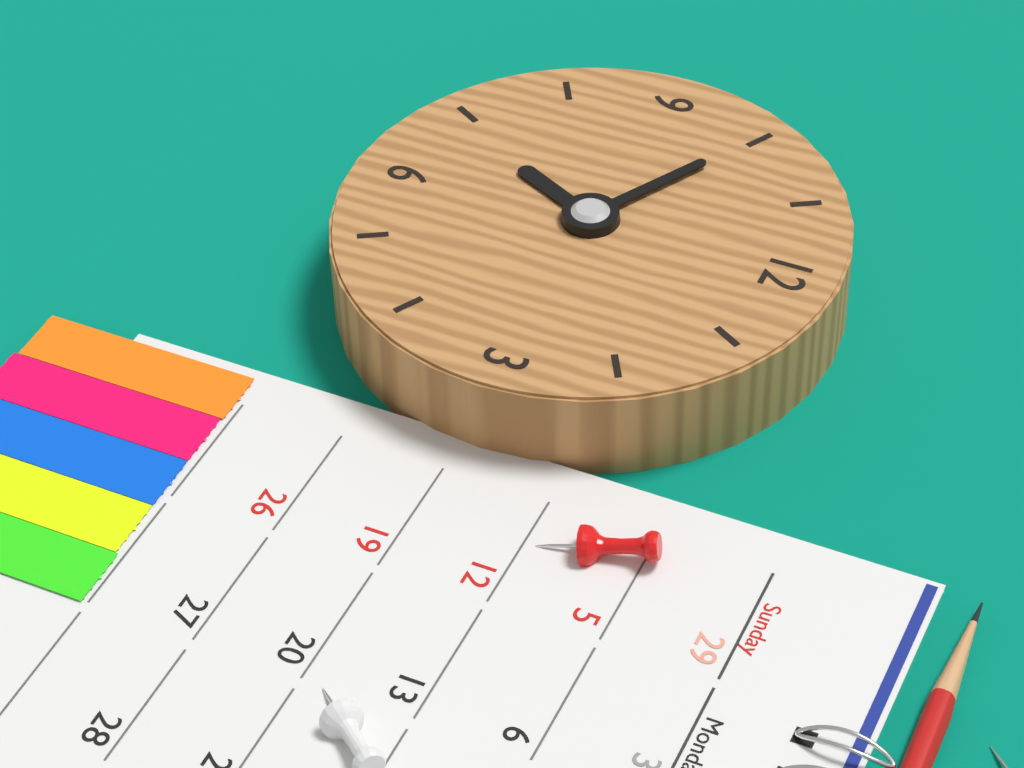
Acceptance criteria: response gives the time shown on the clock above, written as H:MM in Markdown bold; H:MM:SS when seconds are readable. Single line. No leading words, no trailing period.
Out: **6:50**
